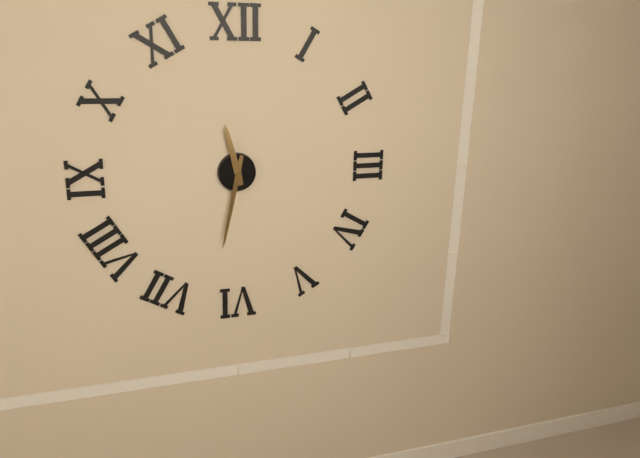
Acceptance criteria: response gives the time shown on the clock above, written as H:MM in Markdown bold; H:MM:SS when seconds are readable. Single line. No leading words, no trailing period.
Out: **11:32**
